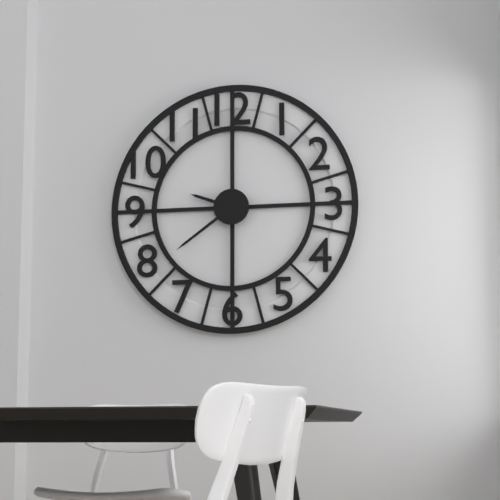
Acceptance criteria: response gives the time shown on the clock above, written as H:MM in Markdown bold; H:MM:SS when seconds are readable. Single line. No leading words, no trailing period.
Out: **9:39**
